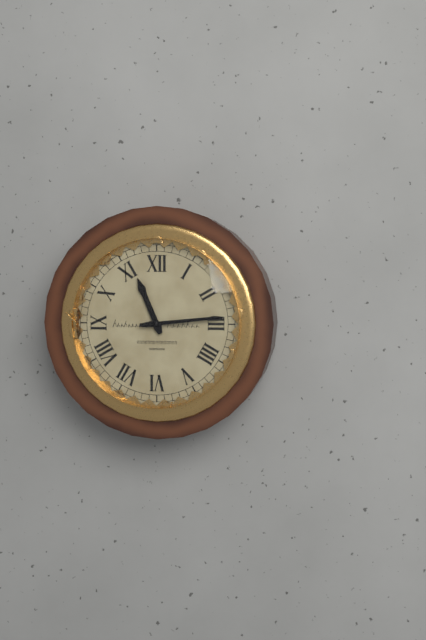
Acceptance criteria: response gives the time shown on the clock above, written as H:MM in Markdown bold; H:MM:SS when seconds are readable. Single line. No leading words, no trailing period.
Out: **11:14**
